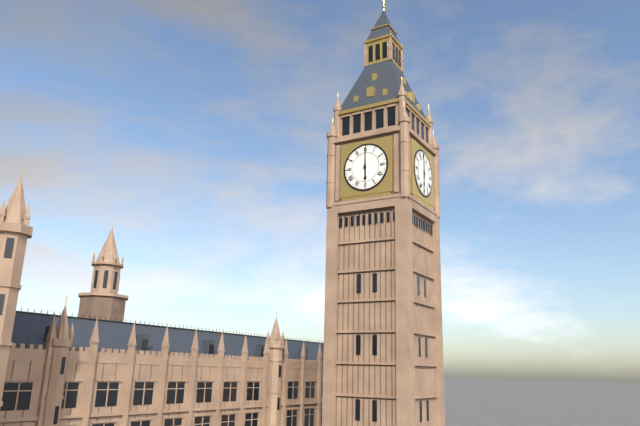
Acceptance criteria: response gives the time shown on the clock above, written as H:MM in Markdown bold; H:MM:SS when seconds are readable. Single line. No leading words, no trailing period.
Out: **6:00**
